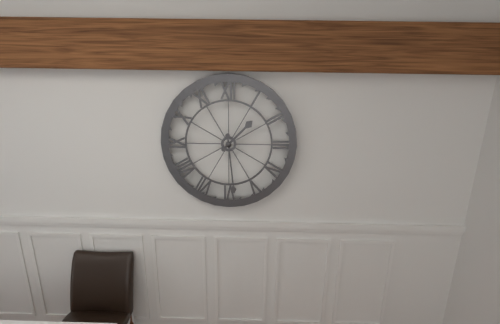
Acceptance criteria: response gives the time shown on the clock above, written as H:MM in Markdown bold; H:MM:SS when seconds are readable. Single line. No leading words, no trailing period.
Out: **1:29**
